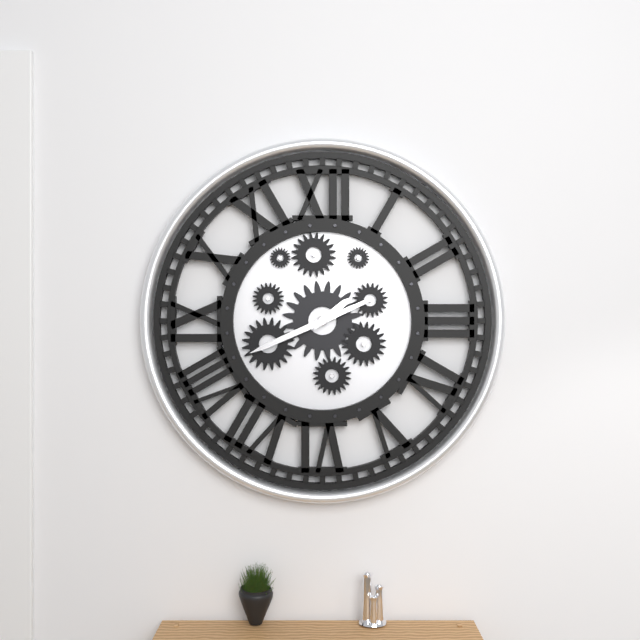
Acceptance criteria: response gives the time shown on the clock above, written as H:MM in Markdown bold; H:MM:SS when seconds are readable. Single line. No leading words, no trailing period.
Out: **1:41**
